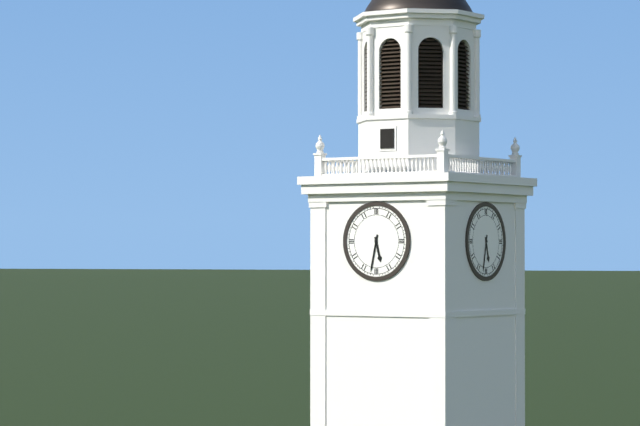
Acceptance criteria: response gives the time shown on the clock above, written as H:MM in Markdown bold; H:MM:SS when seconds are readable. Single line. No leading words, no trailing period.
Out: **5:32**
